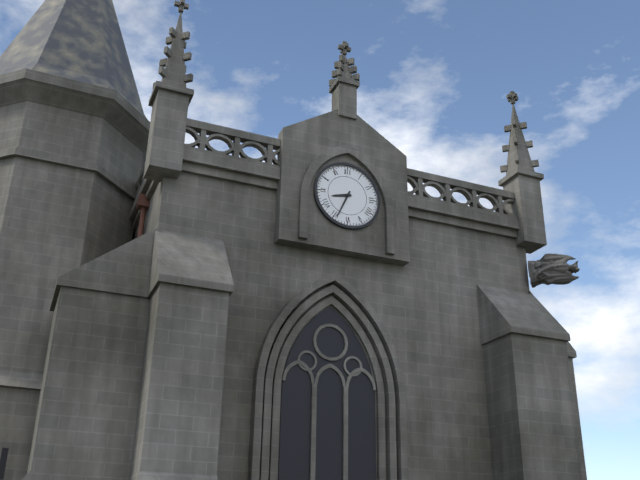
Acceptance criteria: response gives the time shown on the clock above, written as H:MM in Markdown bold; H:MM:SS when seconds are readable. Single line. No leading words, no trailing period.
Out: **8:34**
